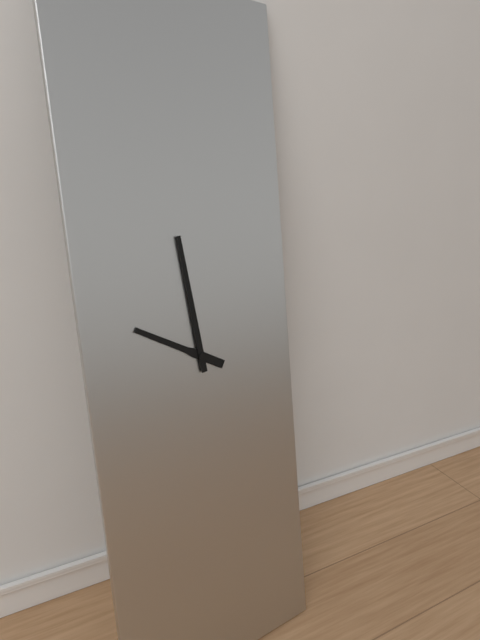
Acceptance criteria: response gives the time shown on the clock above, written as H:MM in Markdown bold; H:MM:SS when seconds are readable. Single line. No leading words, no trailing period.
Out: **9:59**
